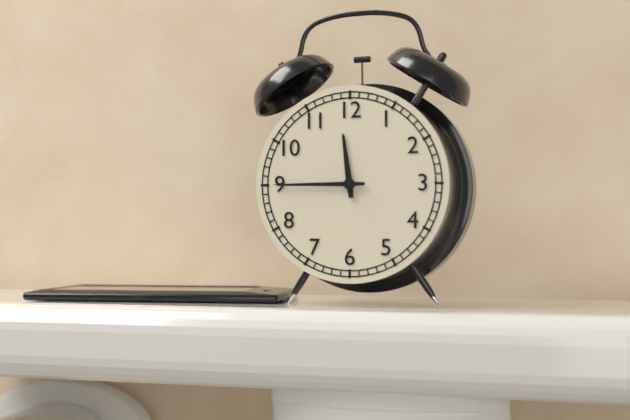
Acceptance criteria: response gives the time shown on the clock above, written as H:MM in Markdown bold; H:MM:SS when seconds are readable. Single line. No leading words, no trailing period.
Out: **11:45**
